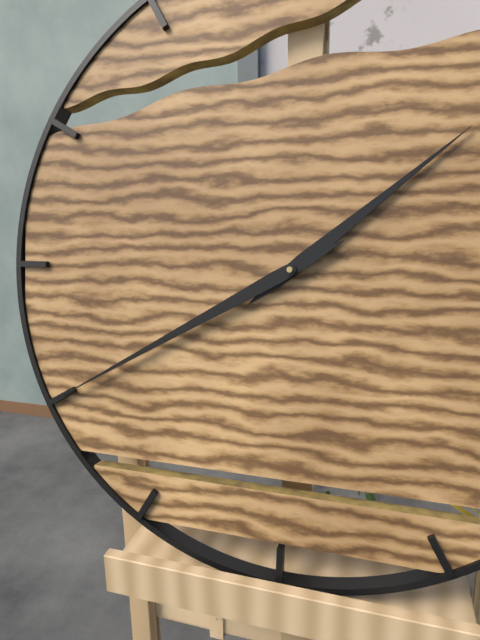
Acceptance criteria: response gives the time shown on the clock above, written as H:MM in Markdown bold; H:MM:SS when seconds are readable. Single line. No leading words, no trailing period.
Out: **1:40**
